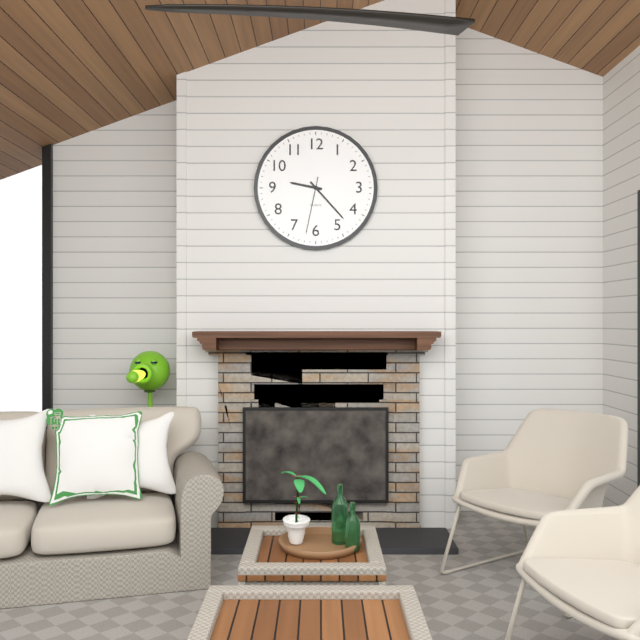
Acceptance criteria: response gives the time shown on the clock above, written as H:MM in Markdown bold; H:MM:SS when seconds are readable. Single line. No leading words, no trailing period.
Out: **9:23:32**
